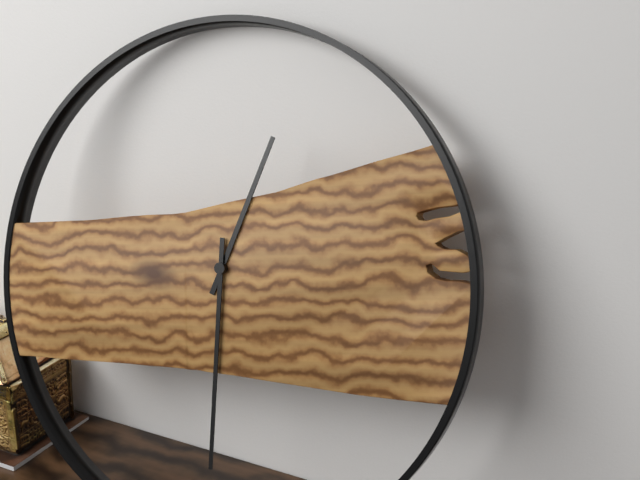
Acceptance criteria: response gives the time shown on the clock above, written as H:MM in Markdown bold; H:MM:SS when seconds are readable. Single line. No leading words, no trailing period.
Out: **12:29**
